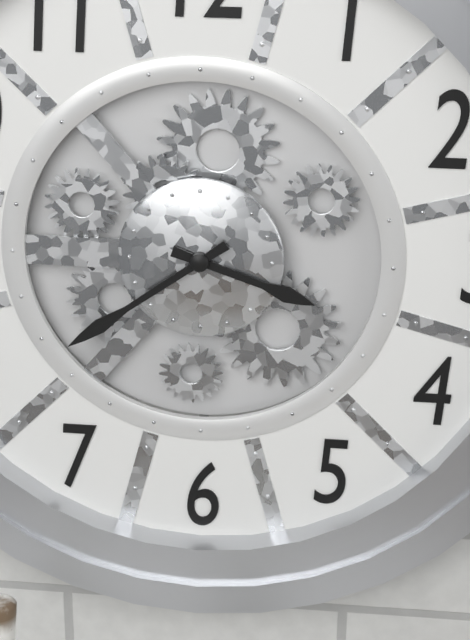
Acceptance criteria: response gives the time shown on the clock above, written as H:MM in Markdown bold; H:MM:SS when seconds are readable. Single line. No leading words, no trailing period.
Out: **3:39**
